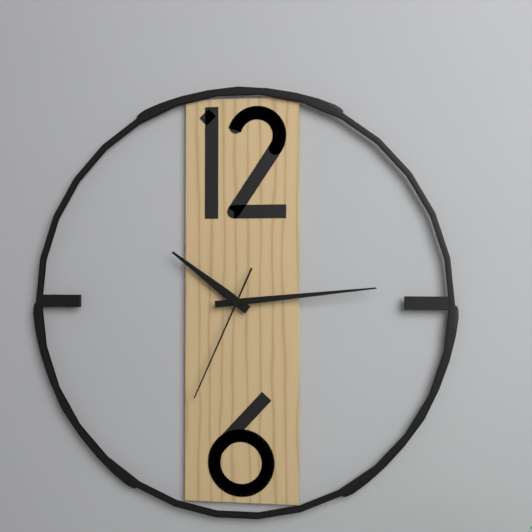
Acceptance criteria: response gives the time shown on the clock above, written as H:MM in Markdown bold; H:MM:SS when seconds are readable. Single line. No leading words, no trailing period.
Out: **10:14:34**
